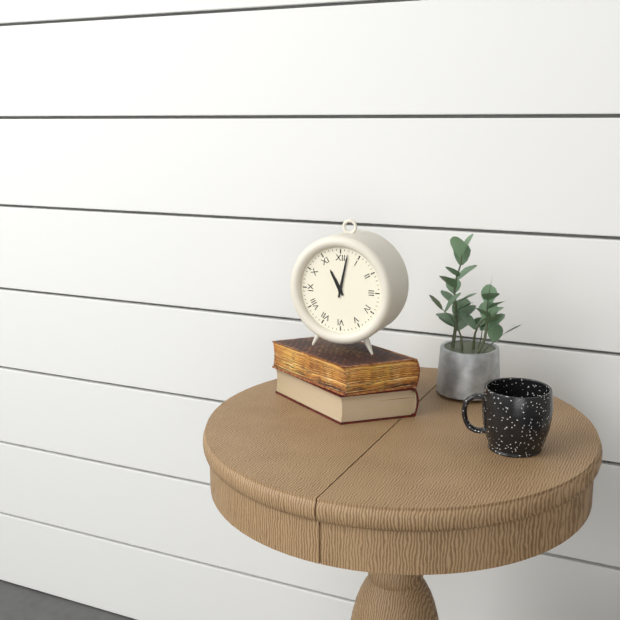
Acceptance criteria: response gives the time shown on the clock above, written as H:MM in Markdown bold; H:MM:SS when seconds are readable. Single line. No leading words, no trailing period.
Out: **11:02**
